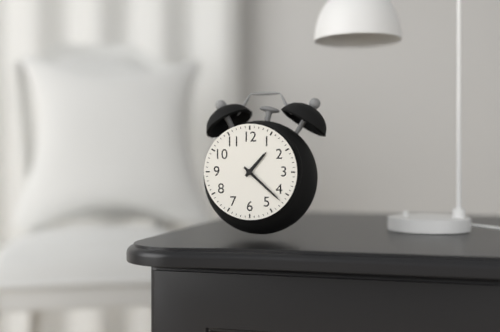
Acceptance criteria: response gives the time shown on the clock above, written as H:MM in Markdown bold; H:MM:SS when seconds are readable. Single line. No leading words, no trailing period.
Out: **1:22**
